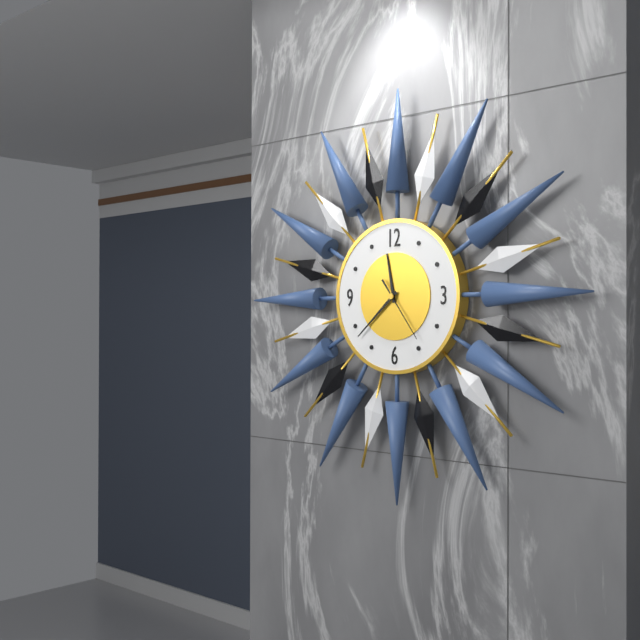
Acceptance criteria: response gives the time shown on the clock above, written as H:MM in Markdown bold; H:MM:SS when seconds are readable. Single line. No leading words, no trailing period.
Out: **11:38:24**
